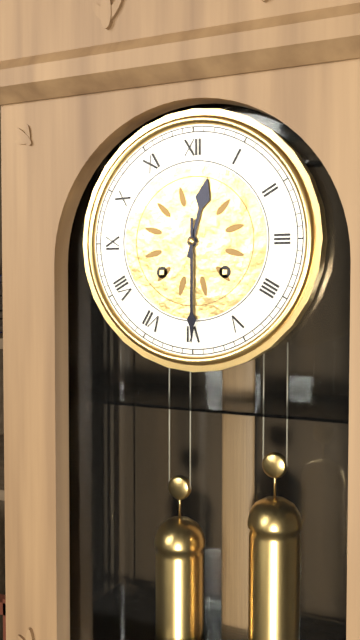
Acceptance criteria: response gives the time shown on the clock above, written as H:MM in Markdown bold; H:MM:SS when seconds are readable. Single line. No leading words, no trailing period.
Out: **12:30**
